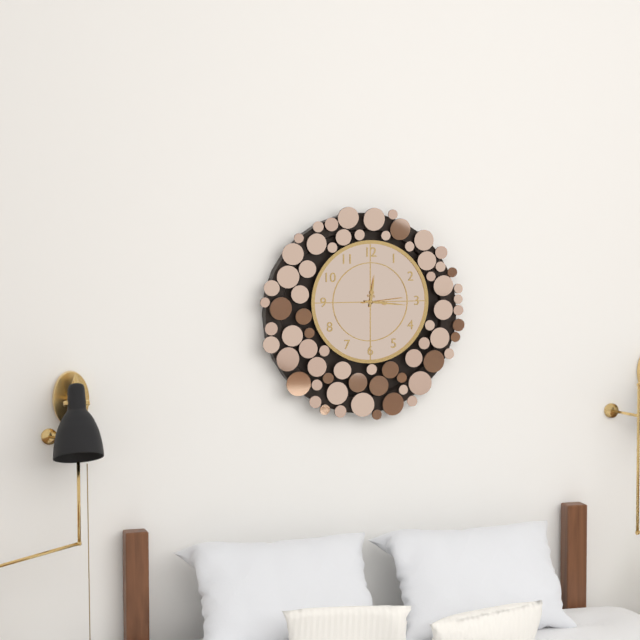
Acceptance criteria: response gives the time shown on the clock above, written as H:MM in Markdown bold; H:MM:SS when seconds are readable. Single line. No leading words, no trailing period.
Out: **12:16**
